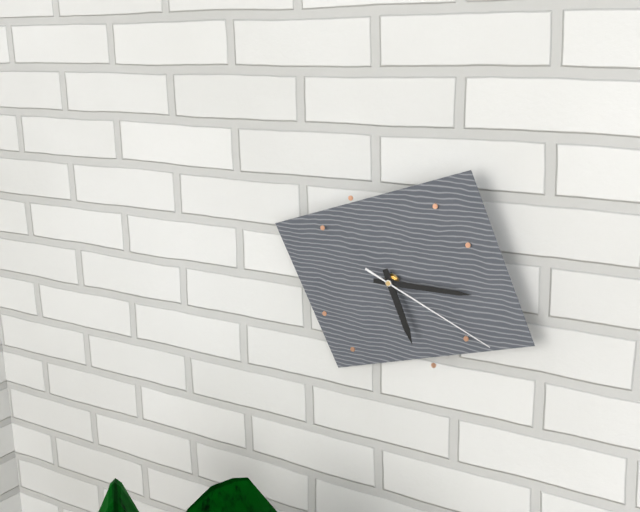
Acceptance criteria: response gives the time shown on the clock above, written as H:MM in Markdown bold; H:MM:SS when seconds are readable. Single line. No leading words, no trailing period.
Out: **5:15:19**
